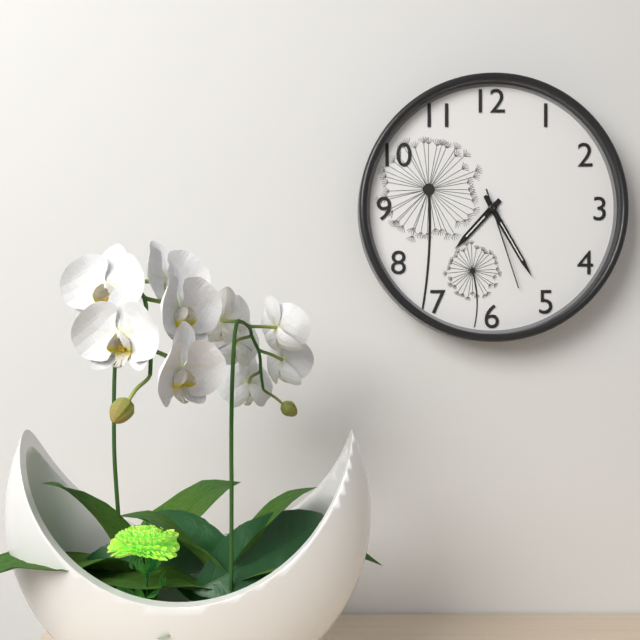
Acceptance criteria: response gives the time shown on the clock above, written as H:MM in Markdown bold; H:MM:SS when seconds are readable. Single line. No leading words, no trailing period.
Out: **7:25:27**
